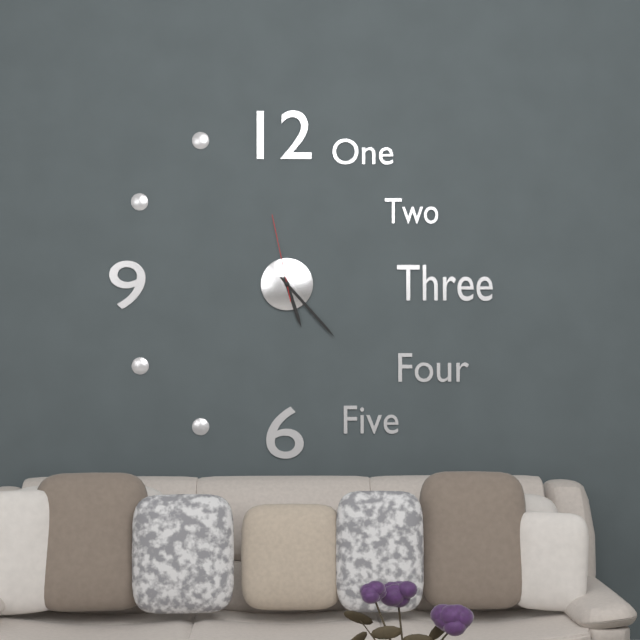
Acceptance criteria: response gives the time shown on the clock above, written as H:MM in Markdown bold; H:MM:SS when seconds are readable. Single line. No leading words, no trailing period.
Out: **5:23:58**
